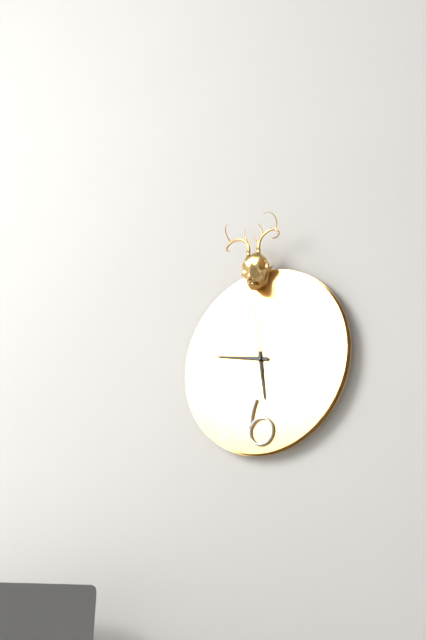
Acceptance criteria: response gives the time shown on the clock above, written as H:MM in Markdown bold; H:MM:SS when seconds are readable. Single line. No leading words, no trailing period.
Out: **5:47:59**
